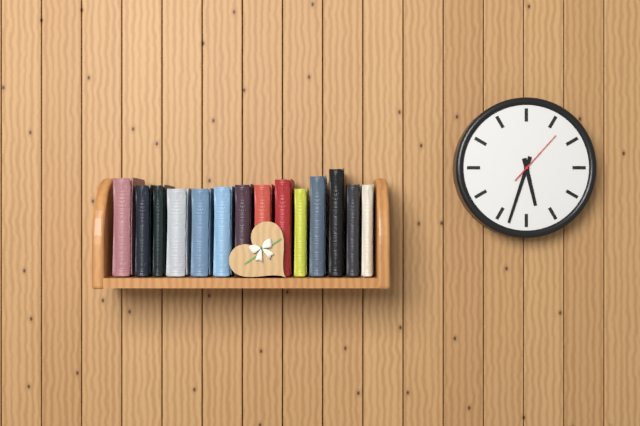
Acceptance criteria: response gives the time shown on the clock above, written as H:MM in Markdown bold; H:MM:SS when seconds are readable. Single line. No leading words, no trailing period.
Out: **5:33:07**
